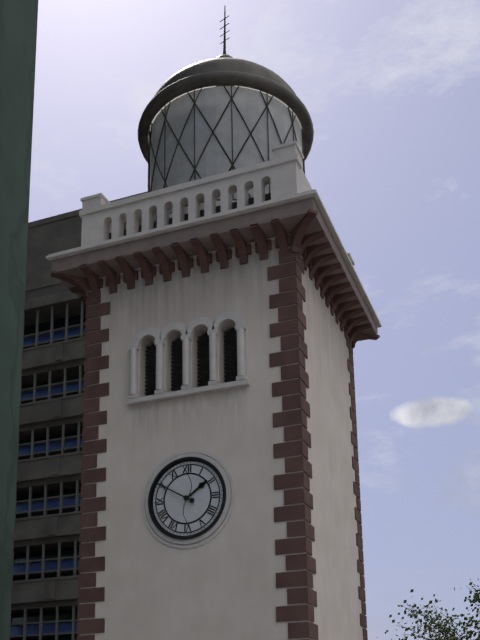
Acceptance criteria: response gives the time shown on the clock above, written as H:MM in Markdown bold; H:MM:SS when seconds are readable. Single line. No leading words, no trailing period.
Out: **1:50**
